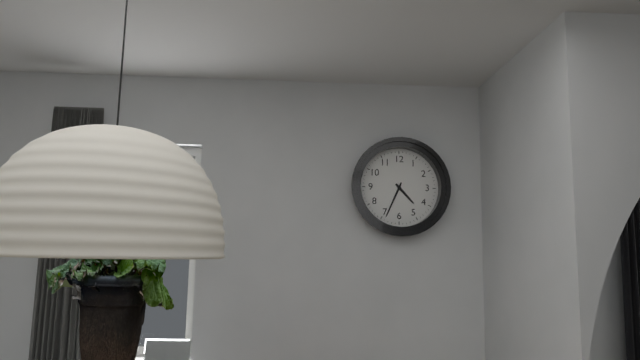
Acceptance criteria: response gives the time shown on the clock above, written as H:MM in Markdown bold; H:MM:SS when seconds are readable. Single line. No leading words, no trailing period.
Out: **4:34**
